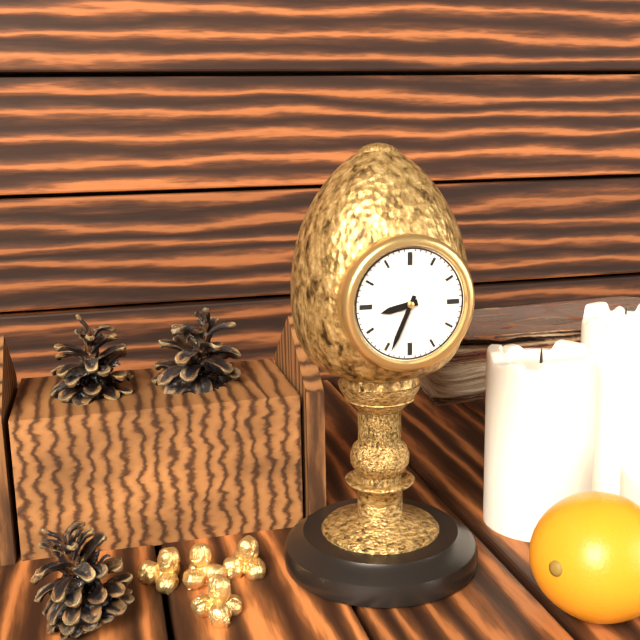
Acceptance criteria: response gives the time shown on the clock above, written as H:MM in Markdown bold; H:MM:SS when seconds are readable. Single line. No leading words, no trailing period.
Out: **8:34**
